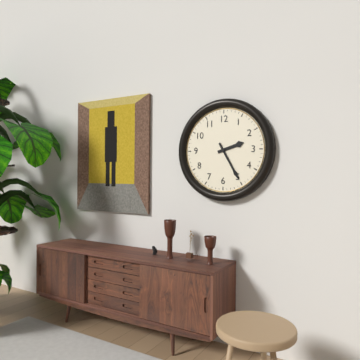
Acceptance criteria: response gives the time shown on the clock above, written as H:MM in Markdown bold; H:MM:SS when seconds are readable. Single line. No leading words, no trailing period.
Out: **2:25**
